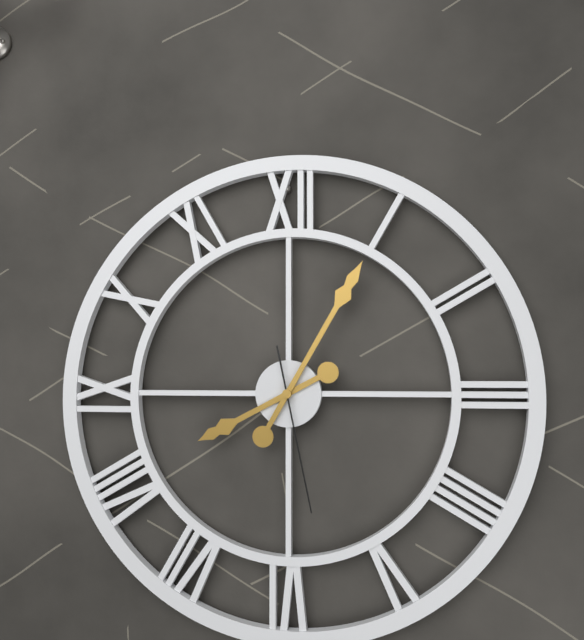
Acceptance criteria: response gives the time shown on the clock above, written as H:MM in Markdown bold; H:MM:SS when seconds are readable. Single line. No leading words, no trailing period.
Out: **8:05:28**
